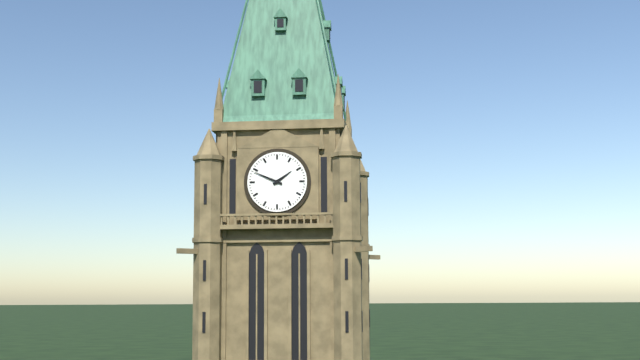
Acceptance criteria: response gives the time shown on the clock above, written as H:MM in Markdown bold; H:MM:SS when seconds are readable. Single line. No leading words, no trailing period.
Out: **1:49**
